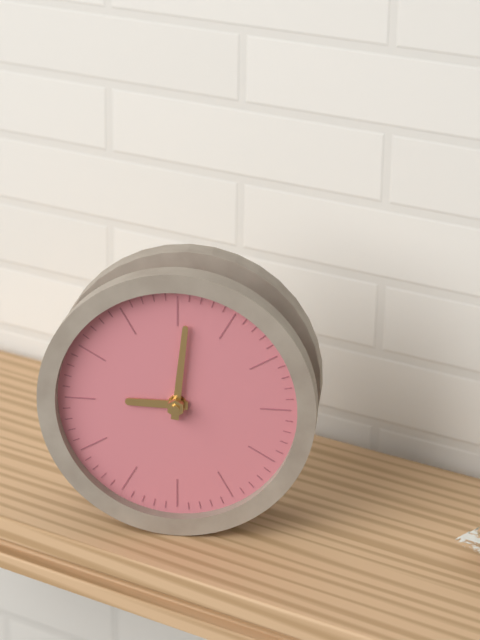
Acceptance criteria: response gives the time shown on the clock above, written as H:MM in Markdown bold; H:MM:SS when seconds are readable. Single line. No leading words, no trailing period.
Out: **9:01**
